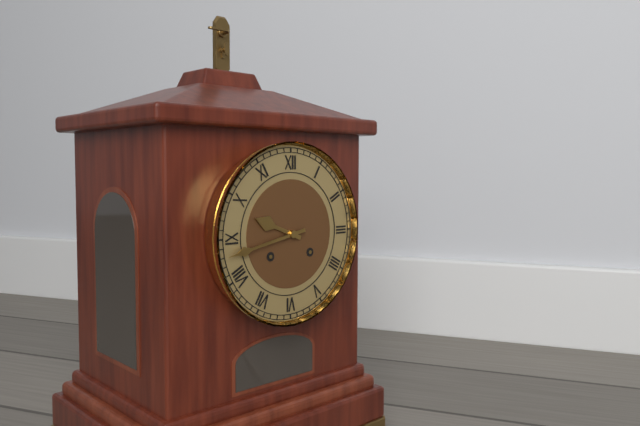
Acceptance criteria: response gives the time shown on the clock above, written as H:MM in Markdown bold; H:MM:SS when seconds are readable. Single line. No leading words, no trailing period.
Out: **9:43**
